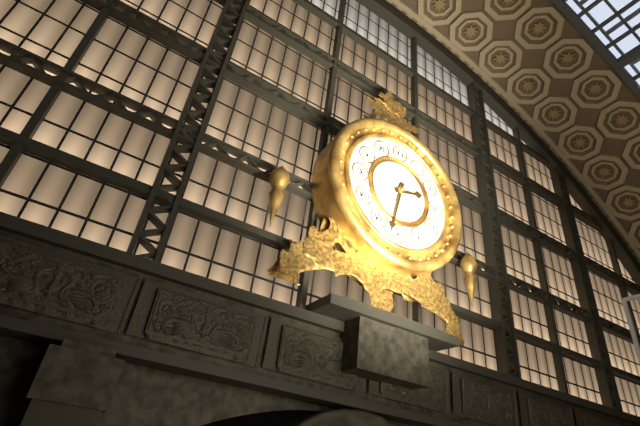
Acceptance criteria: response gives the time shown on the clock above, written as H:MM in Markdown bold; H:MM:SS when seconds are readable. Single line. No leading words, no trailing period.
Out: **2:32**
